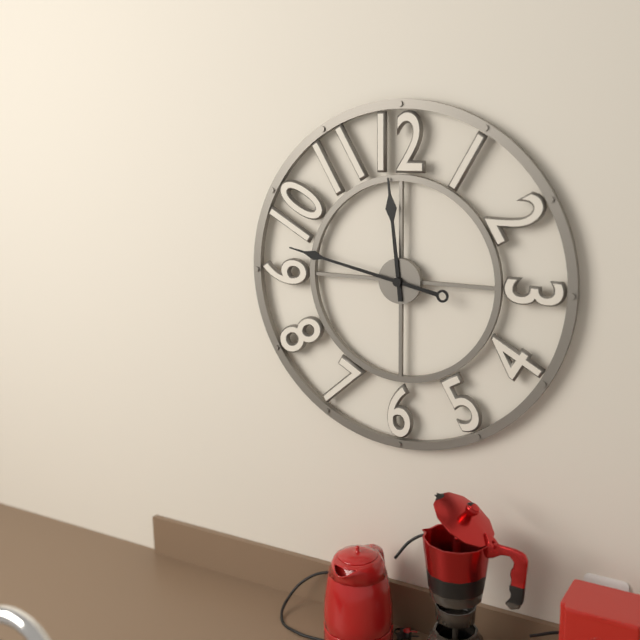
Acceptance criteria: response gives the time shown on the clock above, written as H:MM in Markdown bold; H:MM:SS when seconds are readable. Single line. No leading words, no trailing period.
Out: **11:47**
